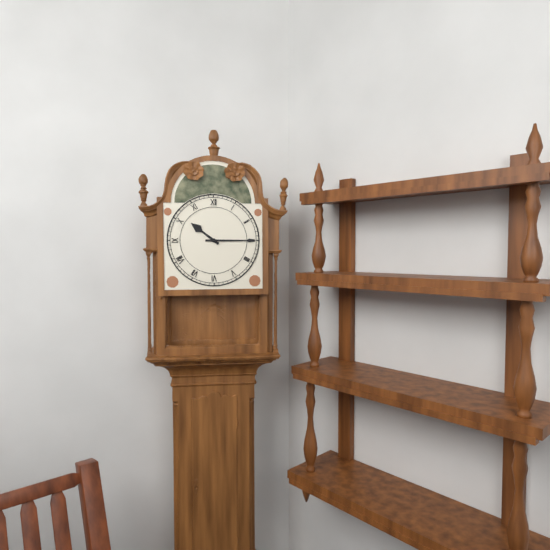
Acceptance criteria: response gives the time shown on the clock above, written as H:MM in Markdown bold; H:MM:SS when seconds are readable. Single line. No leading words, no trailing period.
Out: **10:15**
